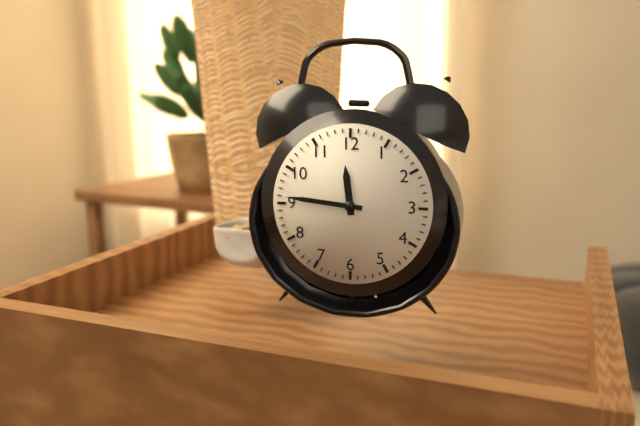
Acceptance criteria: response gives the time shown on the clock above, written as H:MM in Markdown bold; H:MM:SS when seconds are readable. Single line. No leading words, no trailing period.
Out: **11:46**
